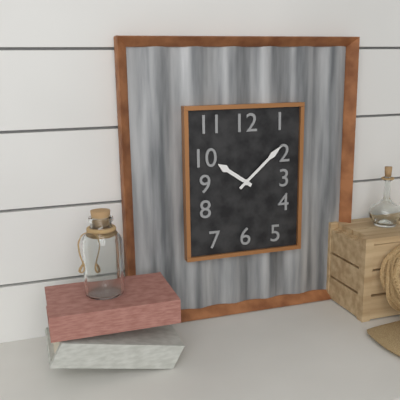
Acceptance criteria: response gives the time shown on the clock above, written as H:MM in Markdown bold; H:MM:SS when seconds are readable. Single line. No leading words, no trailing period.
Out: **10:08**
